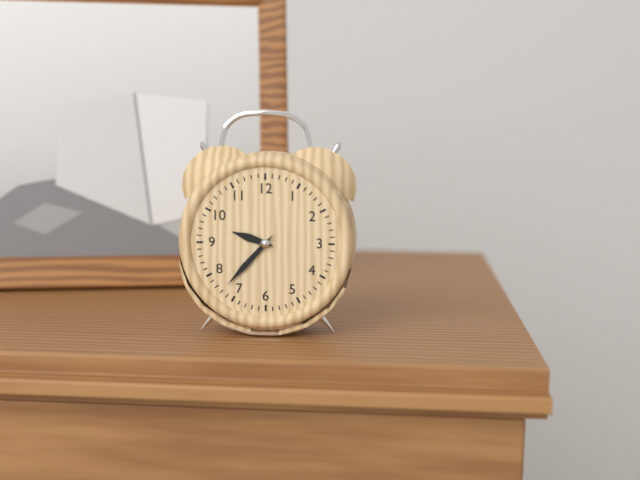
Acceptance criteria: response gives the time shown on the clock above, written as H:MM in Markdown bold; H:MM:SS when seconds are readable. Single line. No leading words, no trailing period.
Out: **9:37**
